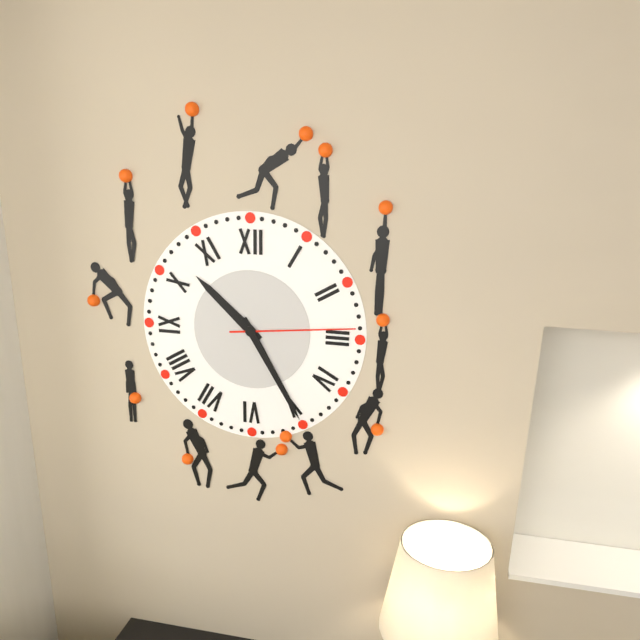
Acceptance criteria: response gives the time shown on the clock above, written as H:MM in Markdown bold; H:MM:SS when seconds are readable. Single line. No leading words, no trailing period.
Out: **10:25:14**
